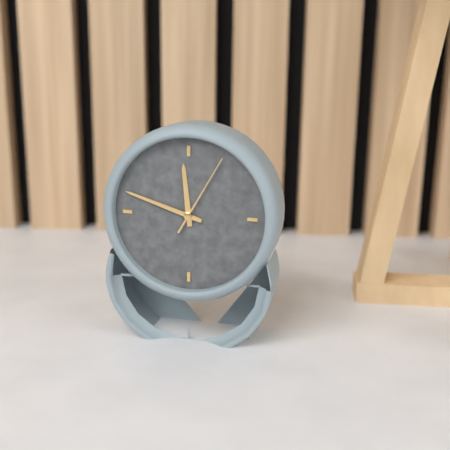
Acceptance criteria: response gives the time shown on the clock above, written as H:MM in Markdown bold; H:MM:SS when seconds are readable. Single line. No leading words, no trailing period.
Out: **11:48:05**
